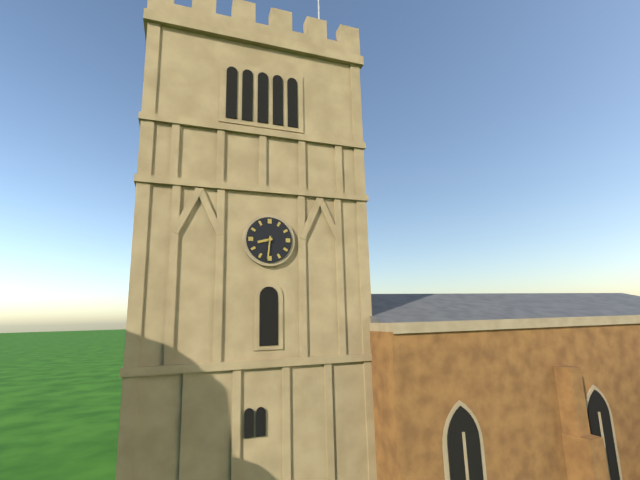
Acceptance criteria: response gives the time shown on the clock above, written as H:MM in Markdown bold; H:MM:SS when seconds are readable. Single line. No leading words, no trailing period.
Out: **8:31**
